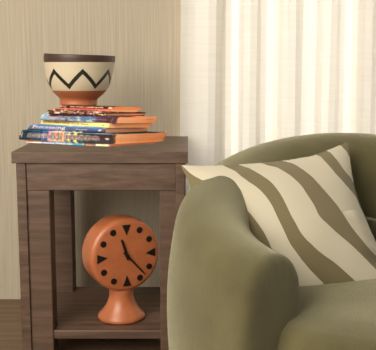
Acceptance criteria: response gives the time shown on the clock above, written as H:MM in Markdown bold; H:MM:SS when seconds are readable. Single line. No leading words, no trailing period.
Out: **11:23**
